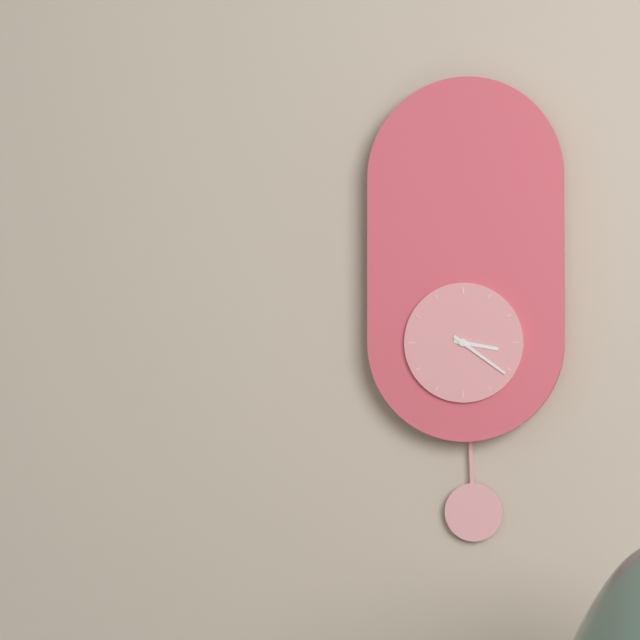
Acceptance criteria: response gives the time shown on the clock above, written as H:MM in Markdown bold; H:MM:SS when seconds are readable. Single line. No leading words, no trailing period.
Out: **3:21**
